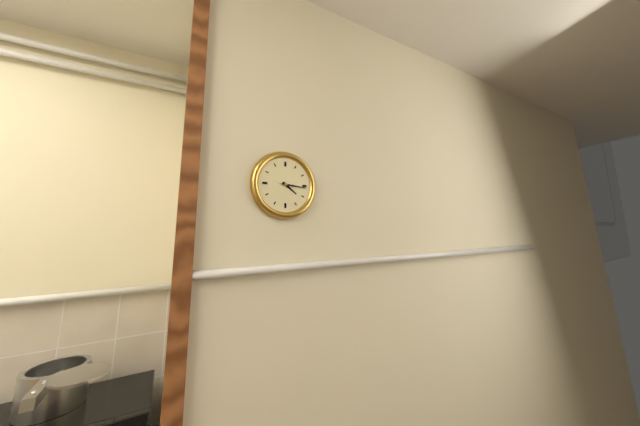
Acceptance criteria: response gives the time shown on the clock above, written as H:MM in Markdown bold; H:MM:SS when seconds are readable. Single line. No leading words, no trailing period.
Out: **4:16**
